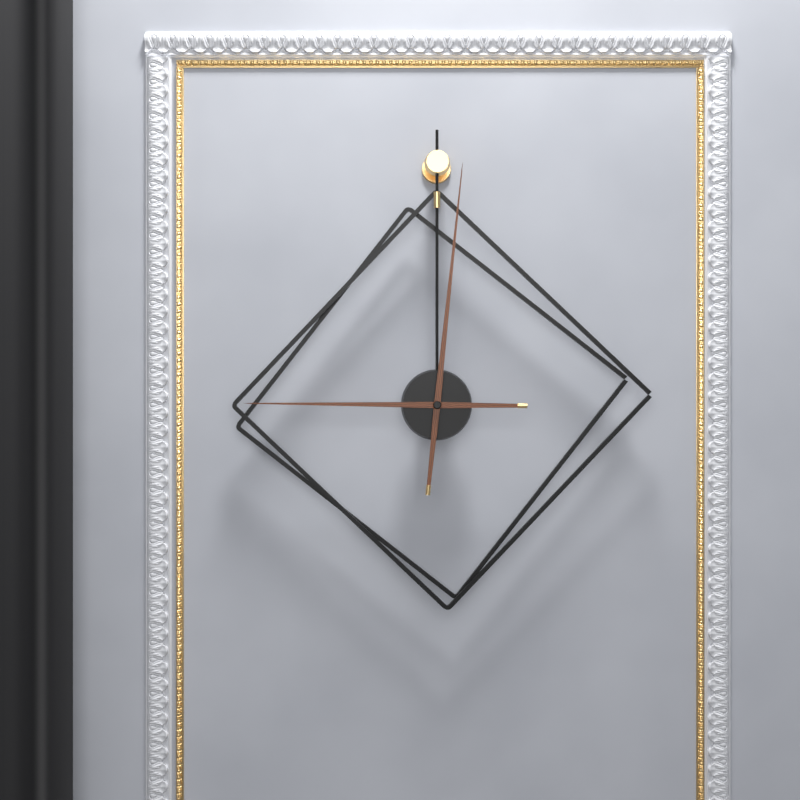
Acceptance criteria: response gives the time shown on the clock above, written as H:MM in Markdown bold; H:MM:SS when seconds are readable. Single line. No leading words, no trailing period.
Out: **9:01**
